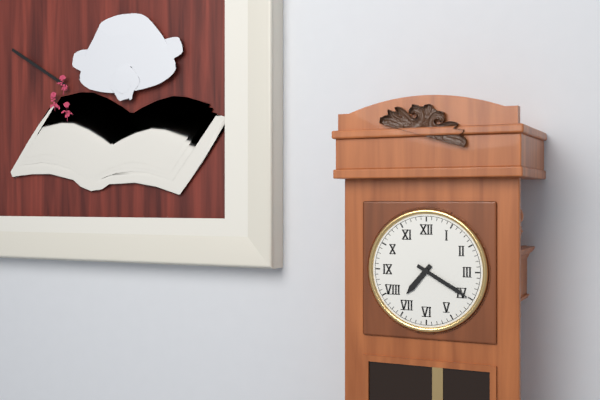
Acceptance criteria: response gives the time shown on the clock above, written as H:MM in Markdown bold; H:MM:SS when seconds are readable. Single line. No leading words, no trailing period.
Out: **7:20**
